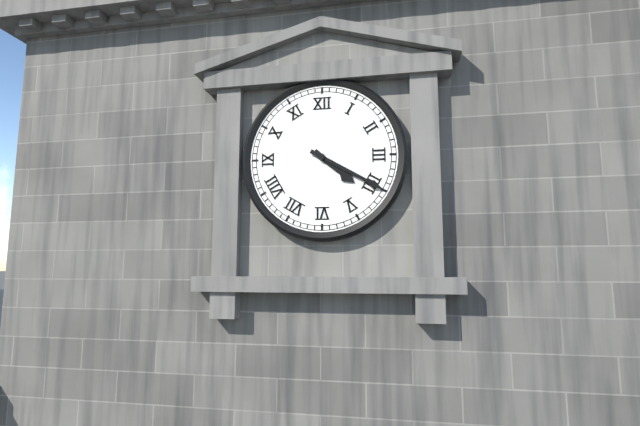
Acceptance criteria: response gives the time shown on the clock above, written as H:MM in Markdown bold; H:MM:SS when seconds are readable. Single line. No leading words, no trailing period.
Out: **4:20**
